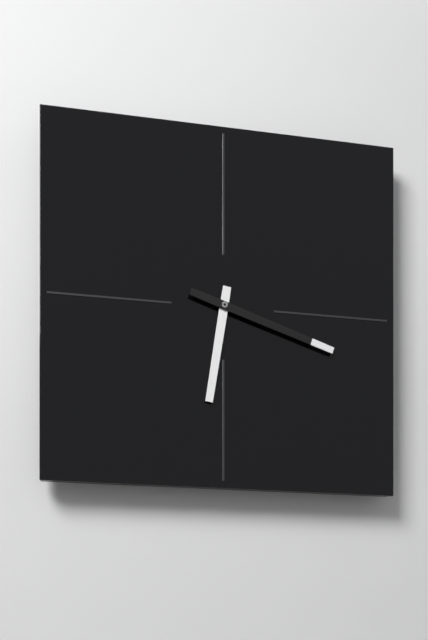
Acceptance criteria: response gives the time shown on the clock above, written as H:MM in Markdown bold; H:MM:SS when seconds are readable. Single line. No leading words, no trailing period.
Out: **6:18**
